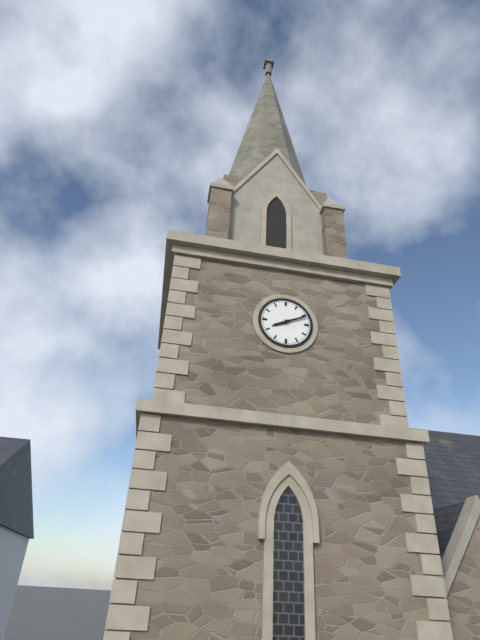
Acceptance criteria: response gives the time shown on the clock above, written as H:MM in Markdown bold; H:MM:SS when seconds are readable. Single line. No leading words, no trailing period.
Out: **8:11**
